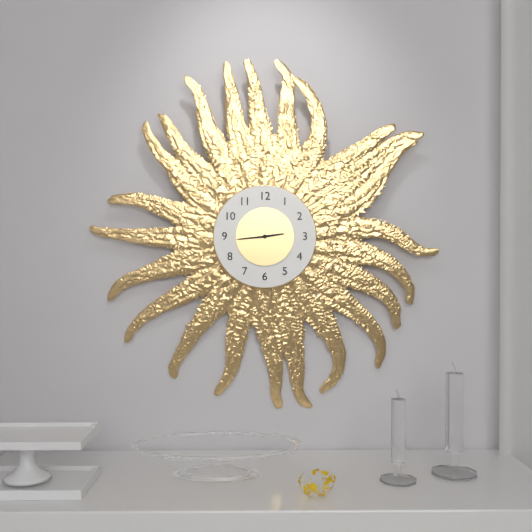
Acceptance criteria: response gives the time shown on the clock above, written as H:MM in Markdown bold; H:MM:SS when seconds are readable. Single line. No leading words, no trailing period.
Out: **2:44**
